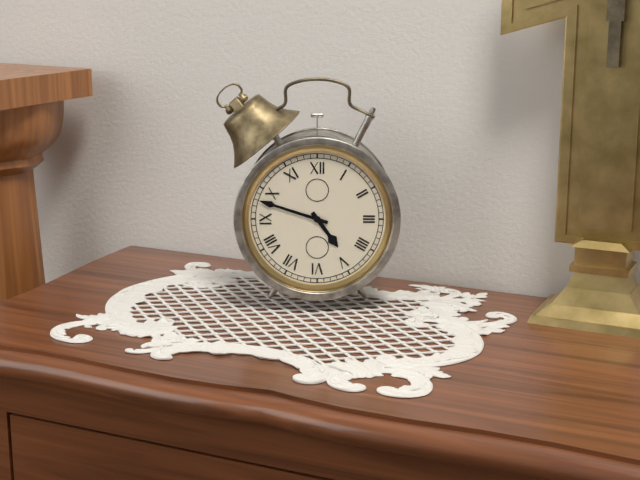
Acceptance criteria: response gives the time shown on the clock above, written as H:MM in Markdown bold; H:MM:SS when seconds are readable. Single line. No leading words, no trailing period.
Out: **4:48**
